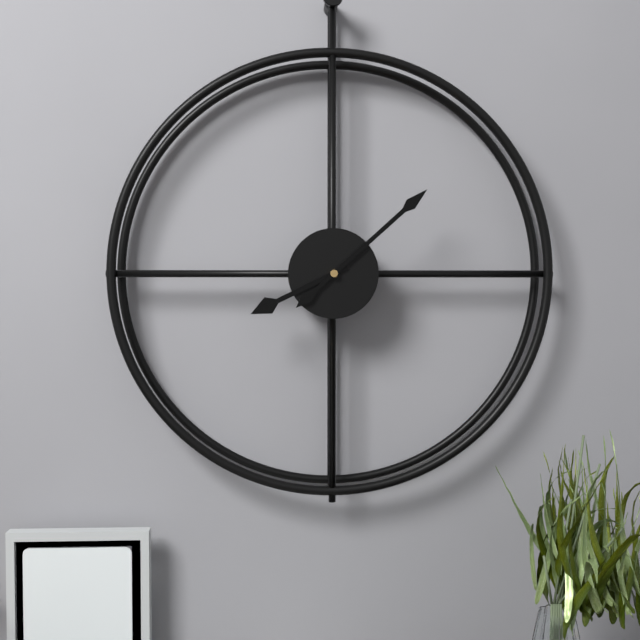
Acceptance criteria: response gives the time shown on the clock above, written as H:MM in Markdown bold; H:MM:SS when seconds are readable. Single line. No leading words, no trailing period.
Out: **8:08**
